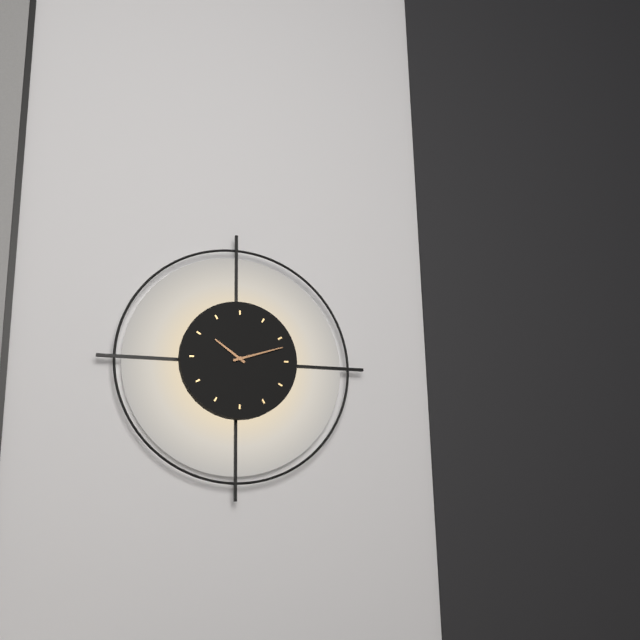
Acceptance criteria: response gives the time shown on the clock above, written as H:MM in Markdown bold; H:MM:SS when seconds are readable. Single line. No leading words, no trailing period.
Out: **10:12**
